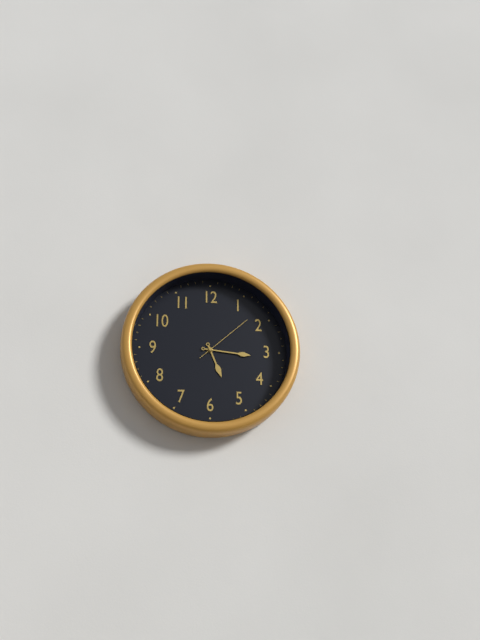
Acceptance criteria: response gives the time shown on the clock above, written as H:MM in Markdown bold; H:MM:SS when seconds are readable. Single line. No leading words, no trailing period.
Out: **5:16:08**
